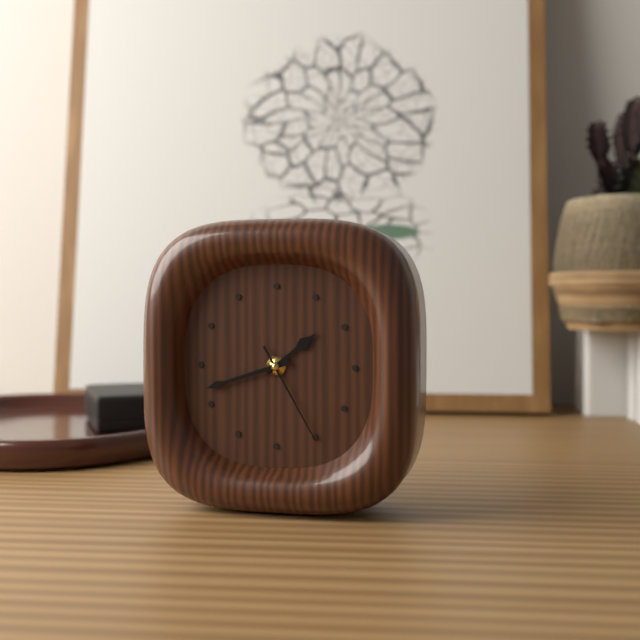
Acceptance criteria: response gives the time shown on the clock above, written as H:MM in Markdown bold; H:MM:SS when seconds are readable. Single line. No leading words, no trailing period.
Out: **1:42:25**
